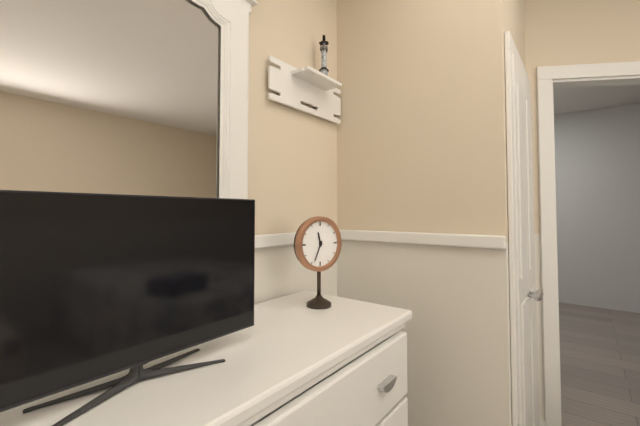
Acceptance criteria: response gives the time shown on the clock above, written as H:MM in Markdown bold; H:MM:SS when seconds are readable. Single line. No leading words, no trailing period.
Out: **11:34**
